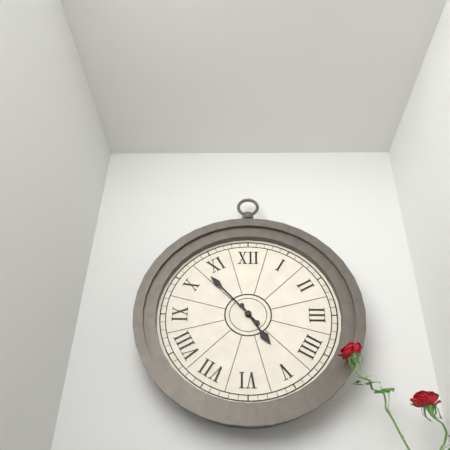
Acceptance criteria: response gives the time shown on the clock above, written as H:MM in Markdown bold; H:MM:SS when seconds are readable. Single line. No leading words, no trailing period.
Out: **4:53**
